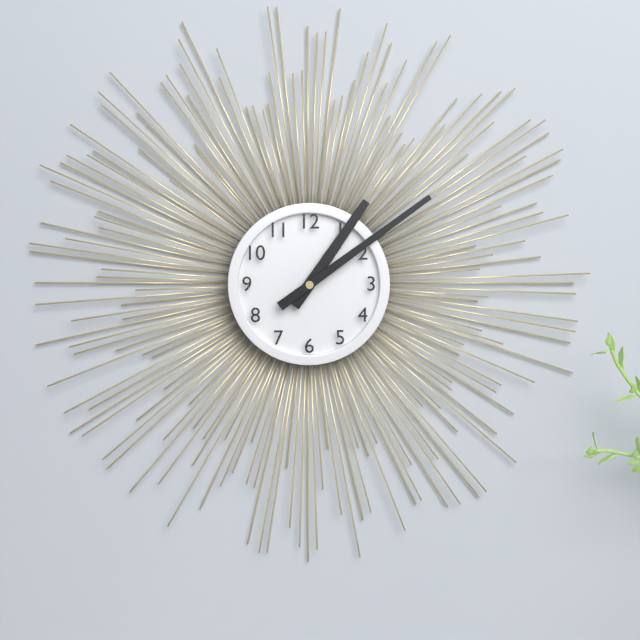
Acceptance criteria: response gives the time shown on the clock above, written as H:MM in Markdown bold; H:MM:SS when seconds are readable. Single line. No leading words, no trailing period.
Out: **1:09**
